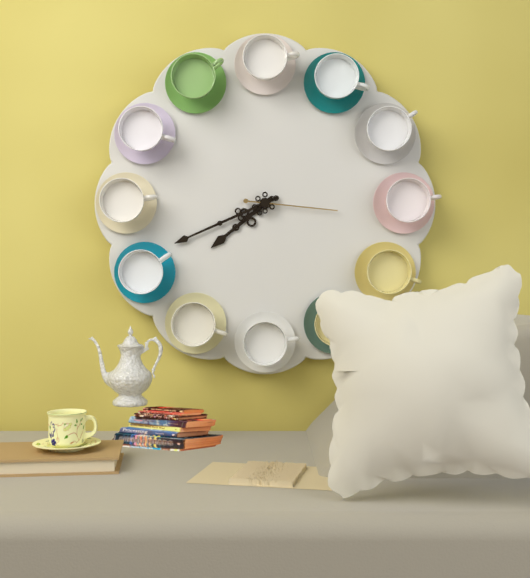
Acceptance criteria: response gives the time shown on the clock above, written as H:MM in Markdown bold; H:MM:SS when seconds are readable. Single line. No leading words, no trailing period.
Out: **7:41:16**
